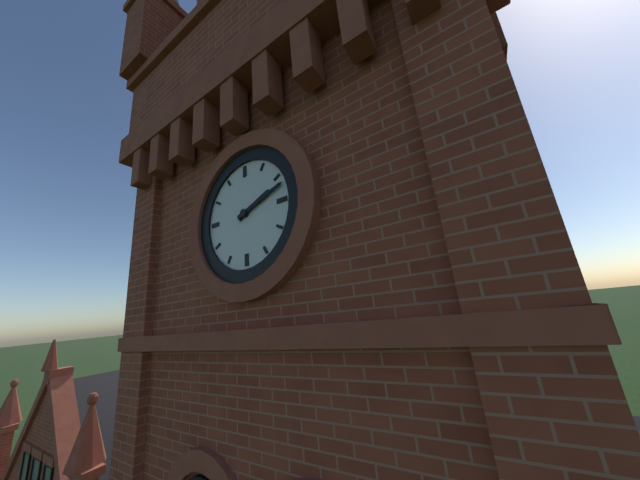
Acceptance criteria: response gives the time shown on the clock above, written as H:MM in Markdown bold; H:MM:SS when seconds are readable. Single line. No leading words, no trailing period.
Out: **2:12**
